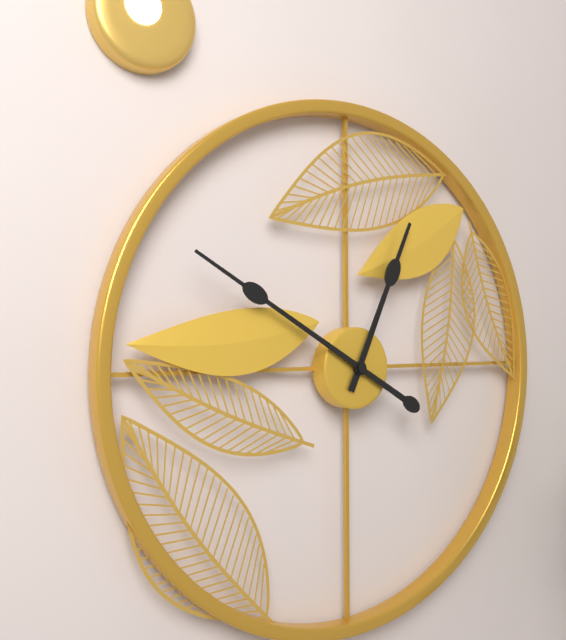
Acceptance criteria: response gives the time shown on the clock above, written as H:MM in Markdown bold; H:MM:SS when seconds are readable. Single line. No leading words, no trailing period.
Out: **12:50**
